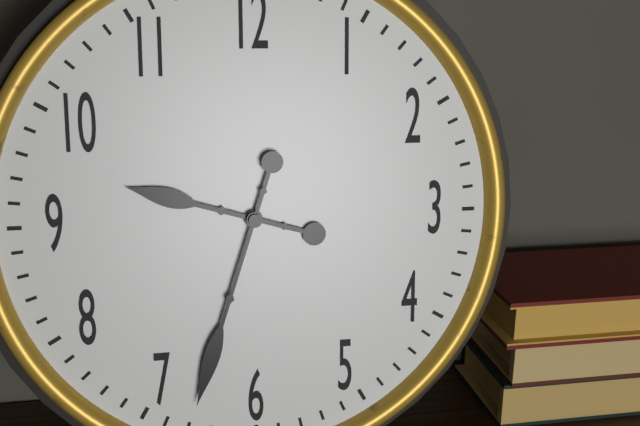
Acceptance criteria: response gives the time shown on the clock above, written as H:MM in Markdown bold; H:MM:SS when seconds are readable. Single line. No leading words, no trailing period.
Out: **9:33**
